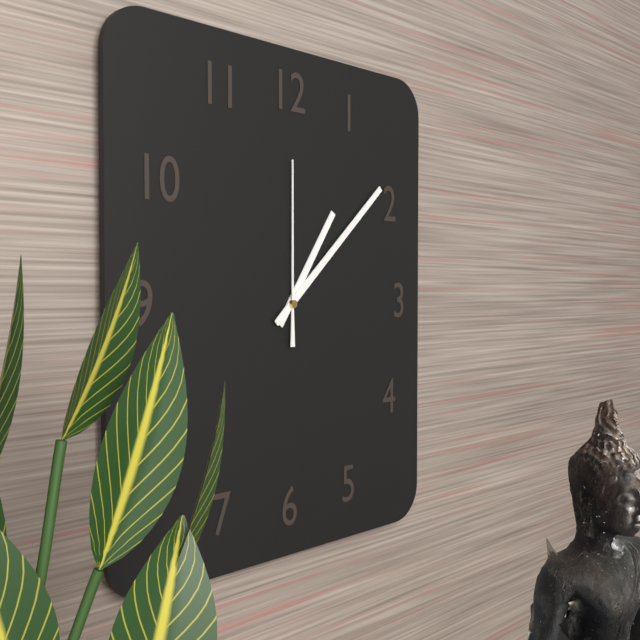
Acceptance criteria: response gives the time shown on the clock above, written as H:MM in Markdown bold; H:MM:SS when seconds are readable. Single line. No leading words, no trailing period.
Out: **1:08:00**
